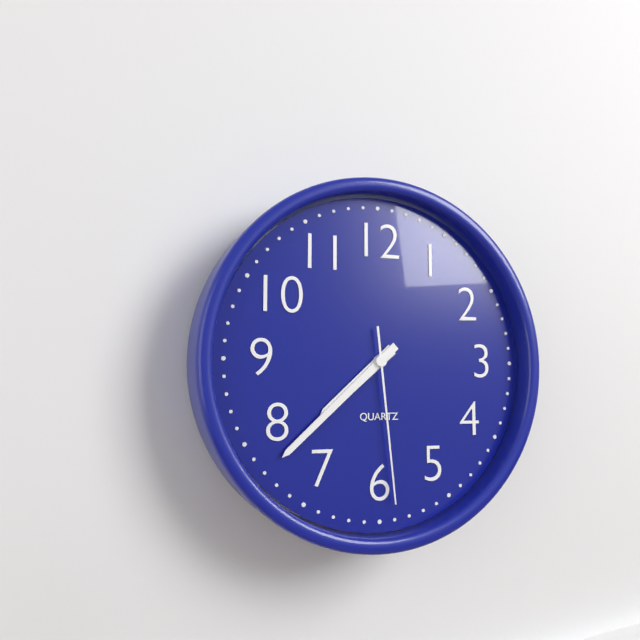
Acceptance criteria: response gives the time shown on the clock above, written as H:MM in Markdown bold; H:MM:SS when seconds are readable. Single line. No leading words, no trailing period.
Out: **7:38:29**
